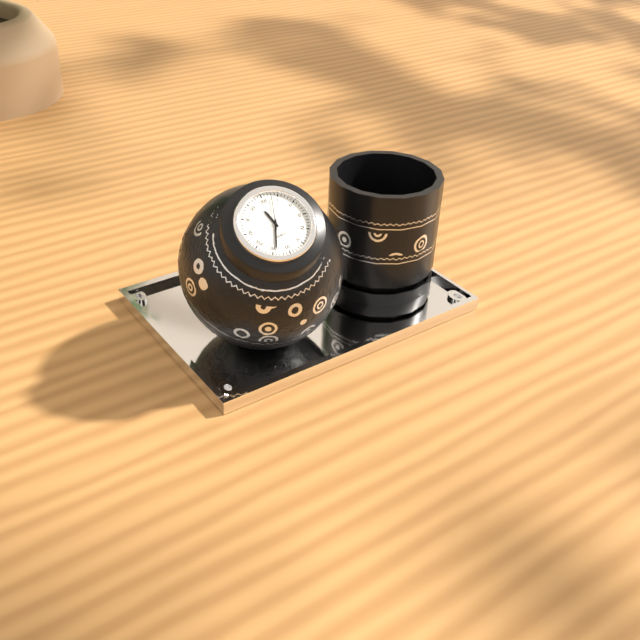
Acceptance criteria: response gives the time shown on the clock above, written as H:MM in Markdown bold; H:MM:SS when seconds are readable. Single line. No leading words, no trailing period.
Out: **11:34:03**
